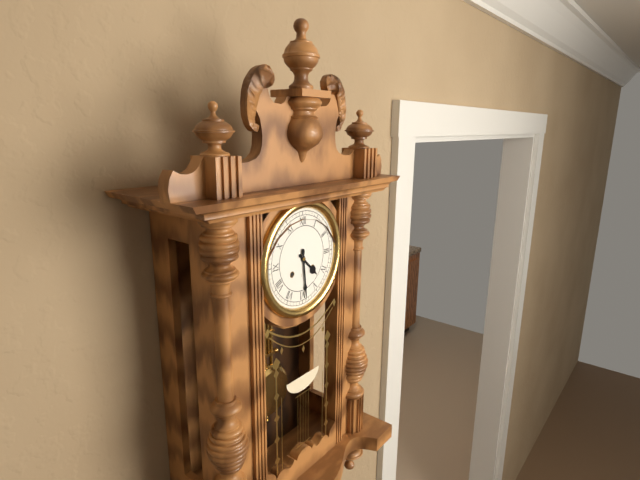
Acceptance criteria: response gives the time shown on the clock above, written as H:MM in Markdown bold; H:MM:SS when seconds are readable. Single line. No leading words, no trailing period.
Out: **4:29**
